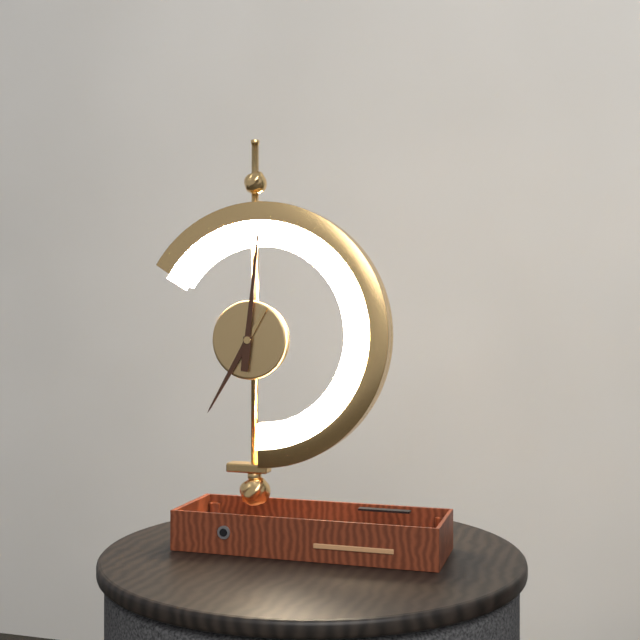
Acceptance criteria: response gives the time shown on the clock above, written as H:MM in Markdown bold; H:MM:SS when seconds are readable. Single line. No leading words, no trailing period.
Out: **7:01**
